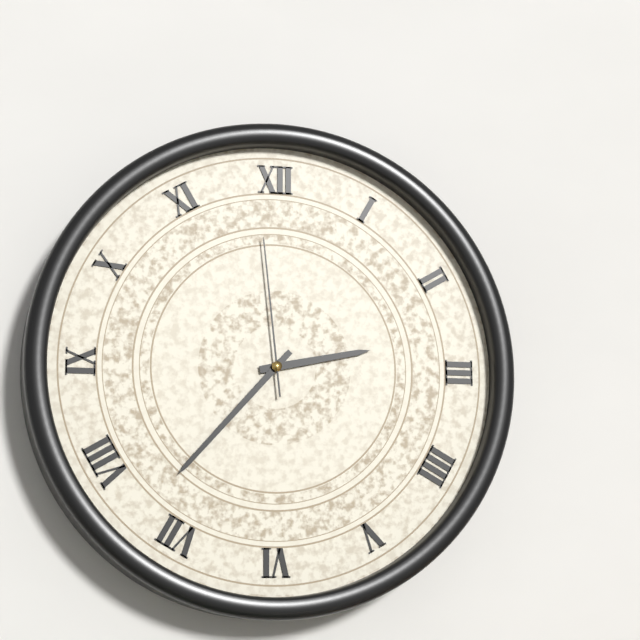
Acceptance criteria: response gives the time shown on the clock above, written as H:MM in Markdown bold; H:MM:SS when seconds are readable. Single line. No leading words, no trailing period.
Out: **2:37:59**
